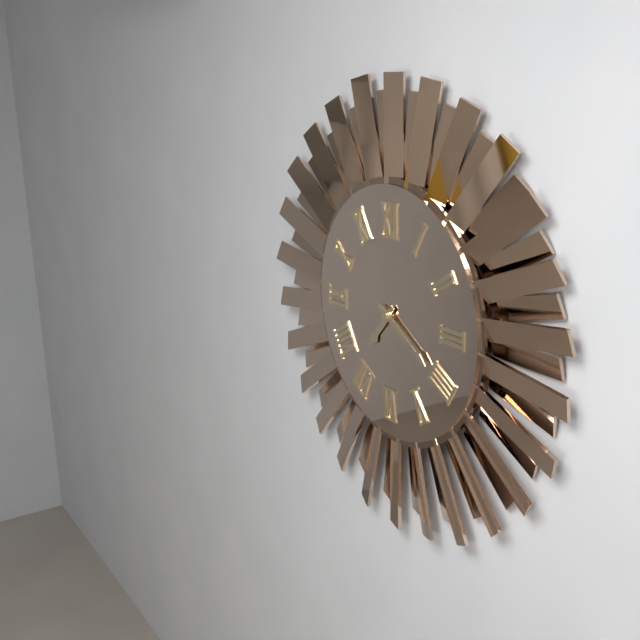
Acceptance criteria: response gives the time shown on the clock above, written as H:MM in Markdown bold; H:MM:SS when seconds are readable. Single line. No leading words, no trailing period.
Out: **7:20**
